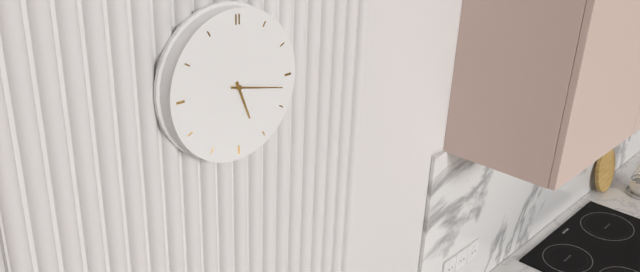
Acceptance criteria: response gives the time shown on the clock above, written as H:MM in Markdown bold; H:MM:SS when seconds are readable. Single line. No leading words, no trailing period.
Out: **5:17**
